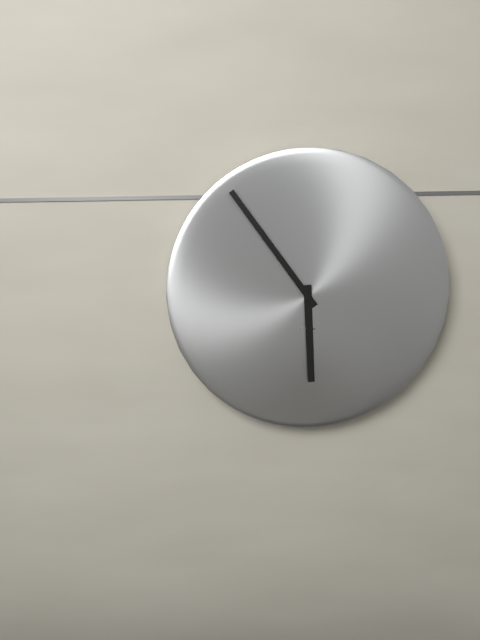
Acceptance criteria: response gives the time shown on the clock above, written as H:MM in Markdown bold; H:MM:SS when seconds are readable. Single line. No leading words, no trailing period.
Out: **5:54**
